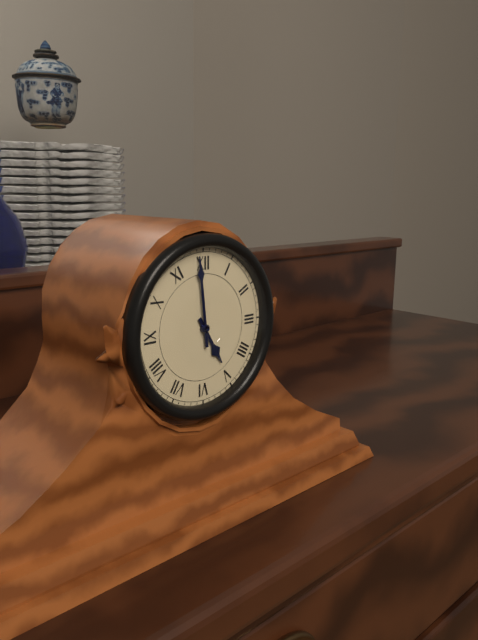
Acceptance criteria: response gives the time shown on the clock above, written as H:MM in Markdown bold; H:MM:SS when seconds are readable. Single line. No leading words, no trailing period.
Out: **4:59**
